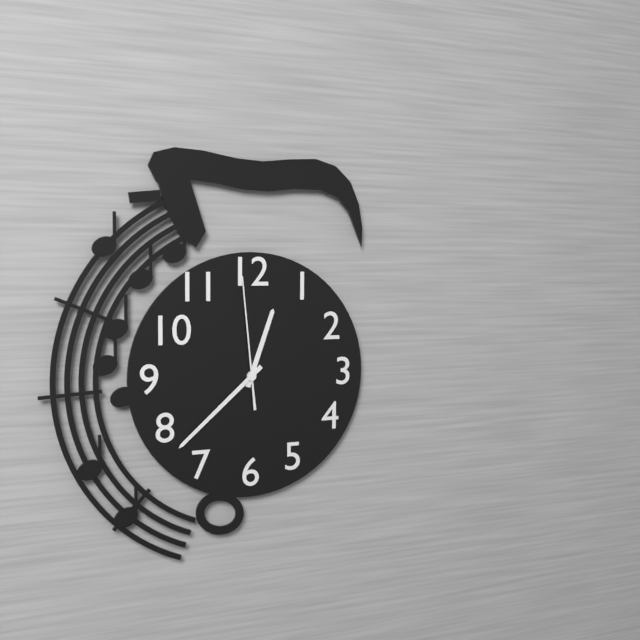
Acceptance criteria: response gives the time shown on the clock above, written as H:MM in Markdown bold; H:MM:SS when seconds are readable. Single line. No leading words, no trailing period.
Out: **12:38:59**
